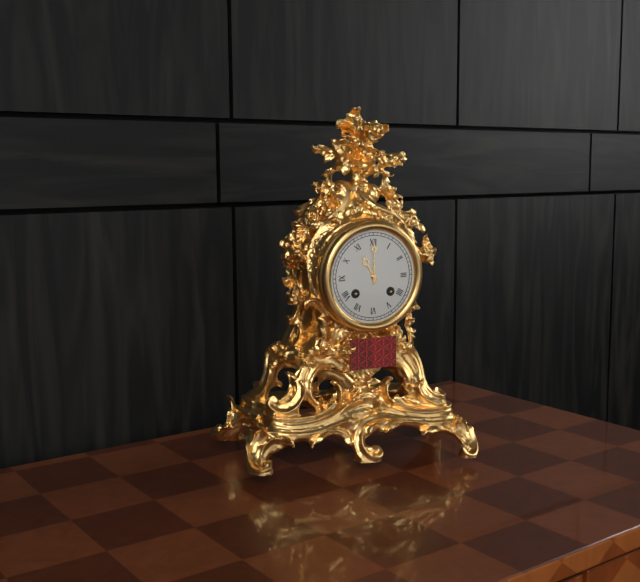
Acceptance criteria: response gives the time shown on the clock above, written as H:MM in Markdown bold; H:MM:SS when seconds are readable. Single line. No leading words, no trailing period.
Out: **11:00**
